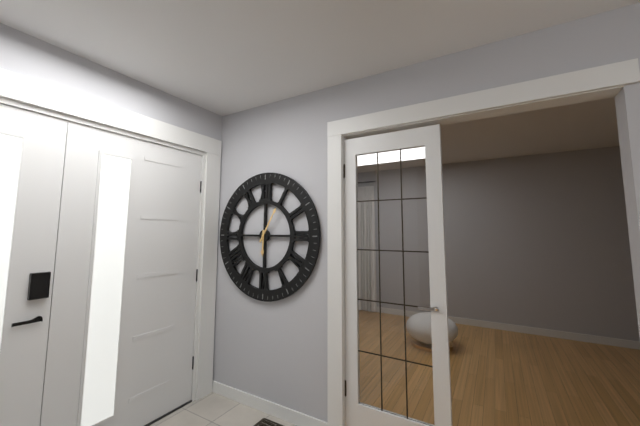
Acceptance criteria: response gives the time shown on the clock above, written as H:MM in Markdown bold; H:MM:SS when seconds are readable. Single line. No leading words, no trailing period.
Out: **6:05**
